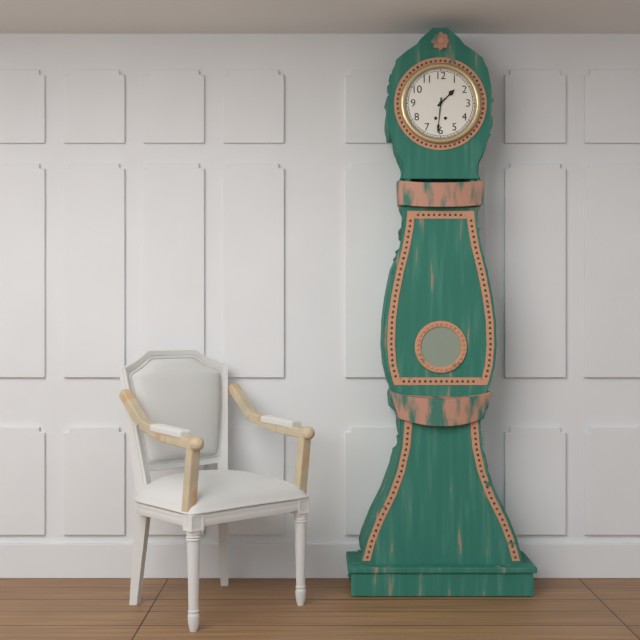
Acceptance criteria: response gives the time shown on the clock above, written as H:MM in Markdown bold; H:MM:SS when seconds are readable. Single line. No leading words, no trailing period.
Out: **1:31**
